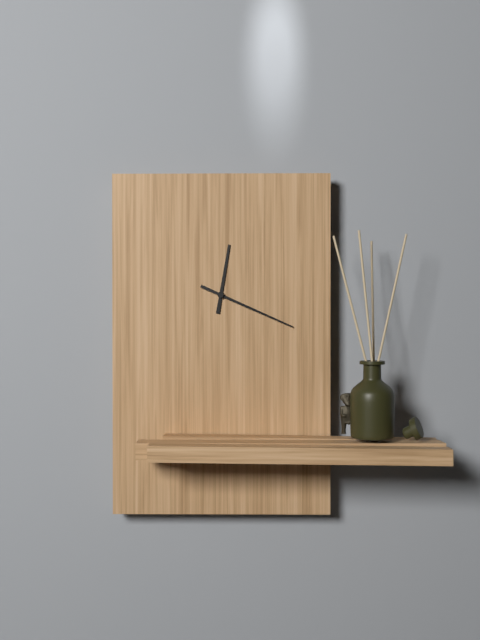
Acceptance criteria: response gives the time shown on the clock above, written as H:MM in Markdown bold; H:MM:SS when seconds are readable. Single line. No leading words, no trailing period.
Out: **12:19**
